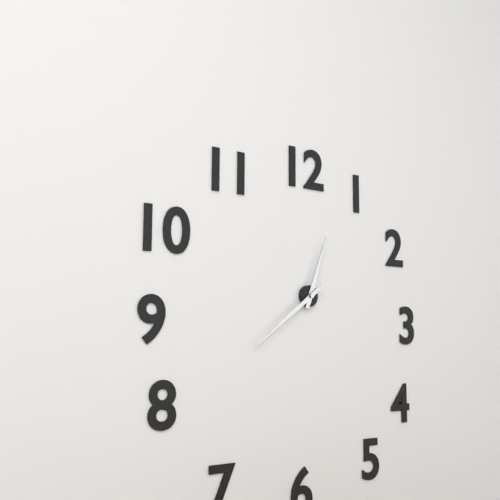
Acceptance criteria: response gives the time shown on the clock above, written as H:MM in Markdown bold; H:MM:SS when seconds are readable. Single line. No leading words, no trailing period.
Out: **12:39**
